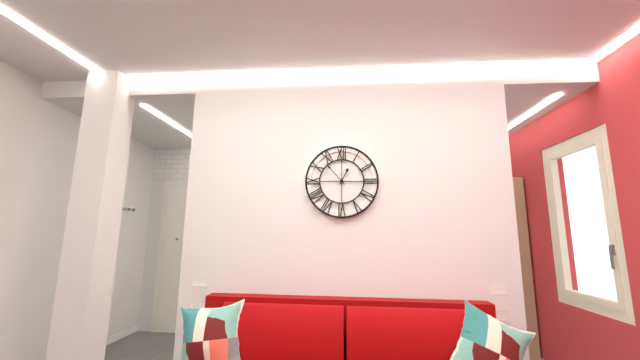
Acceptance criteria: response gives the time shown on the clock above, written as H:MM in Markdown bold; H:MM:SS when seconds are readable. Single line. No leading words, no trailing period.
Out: **12:53**
